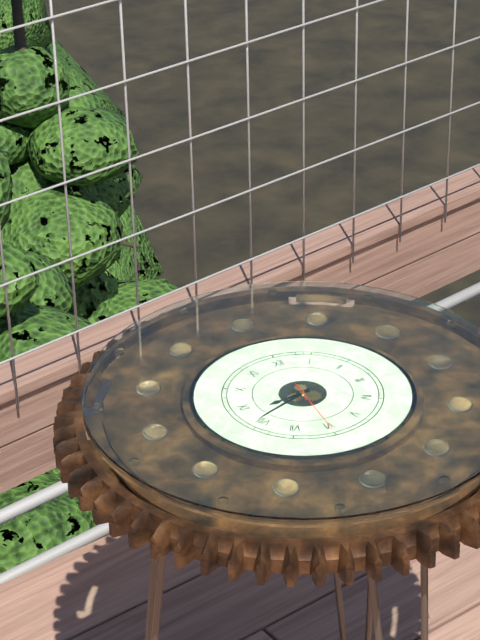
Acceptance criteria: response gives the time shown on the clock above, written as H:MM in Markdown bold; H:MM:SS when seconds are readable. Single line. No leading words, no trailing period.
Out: **8:41:30**
